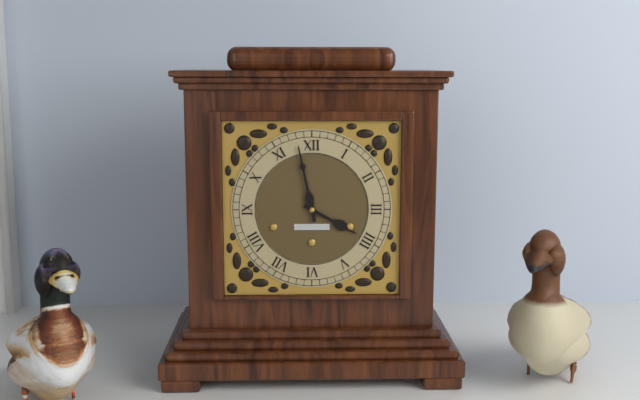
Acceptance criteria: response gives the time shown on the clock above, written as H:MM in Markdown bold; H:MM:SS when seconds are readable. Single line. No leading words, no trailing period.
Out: **3:58**
